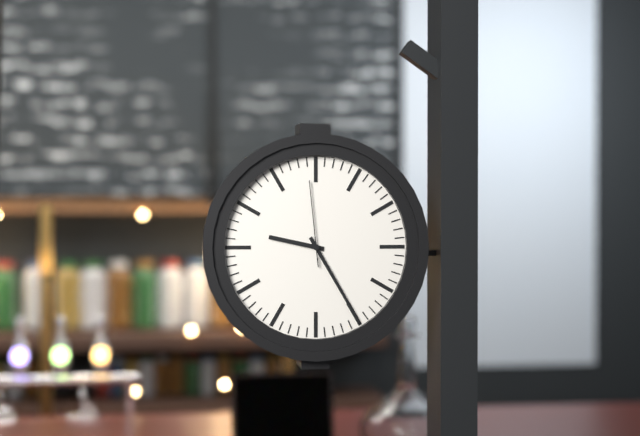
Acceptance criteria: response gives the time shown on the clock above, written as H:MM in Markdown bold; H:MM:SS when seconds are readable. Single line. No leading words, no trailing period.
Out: **9:25:59**
